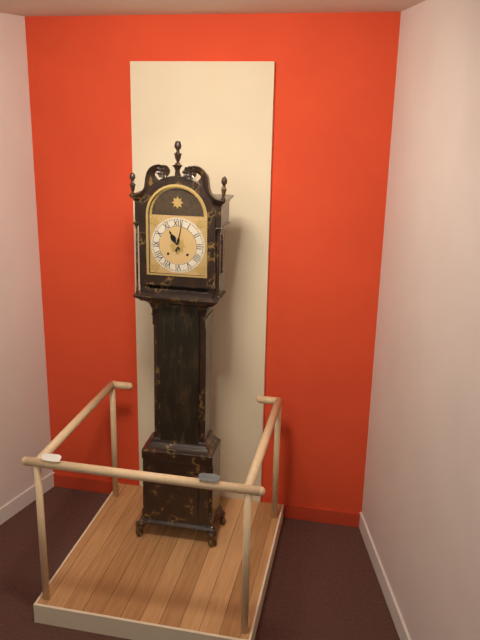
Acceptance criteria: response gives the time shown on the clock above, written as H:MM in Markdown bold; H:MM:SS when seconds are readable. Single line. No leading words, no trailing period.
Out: **11:02**
